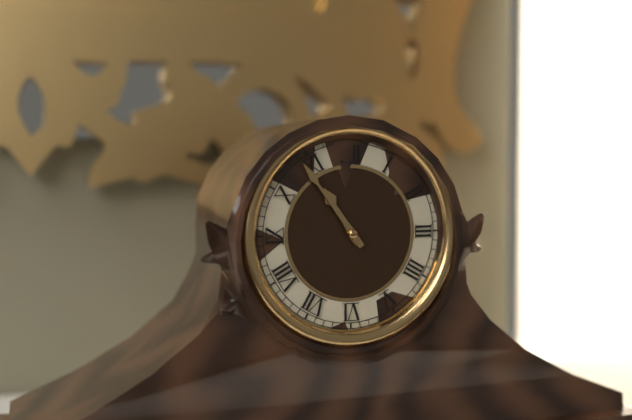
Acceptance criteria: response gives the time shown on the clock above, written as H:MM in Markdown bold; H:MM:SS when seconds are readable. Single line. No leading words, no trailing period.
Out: **10:54**
